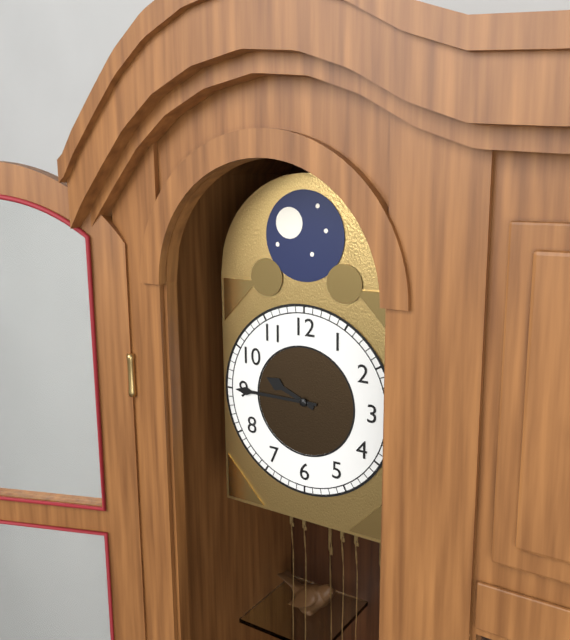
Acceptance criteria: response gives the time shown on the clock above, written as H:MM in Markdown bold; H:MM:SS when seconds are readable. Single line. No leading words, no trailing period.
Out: **9:45**
